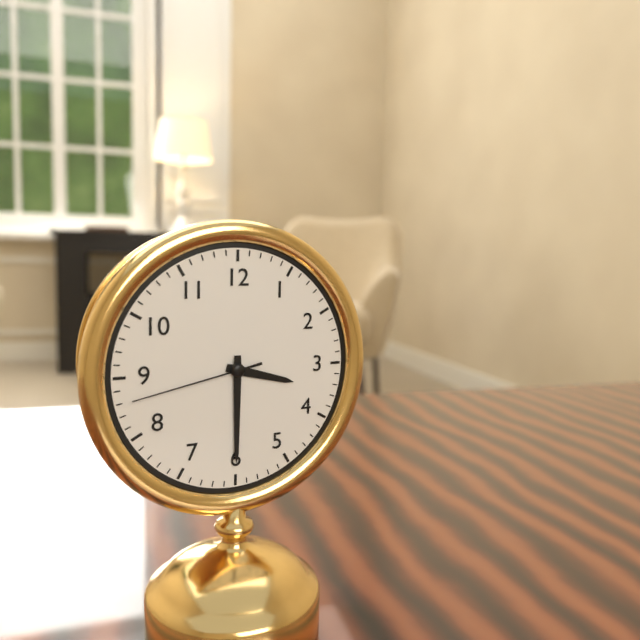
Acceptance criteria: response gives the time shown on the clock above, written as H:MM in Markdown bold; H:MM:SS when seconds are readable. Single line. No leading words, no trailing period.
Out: **3:30:43**
